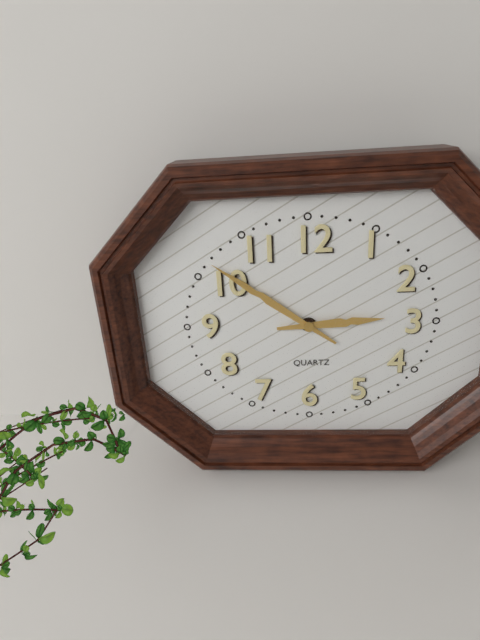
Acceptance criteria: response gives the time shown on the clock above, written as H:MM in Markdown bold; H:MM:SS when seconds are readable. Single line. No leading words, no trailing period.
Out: **2:51**
